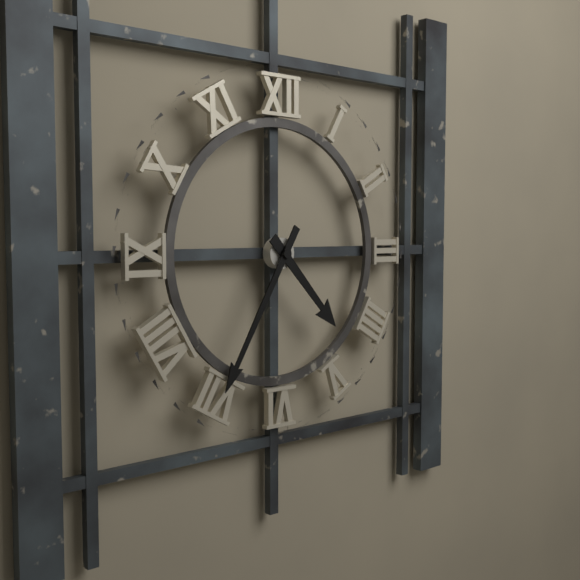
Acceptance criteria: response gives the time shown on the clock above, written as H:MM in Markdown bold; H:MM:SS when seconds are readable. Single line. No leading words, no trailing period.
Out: **4:35**
